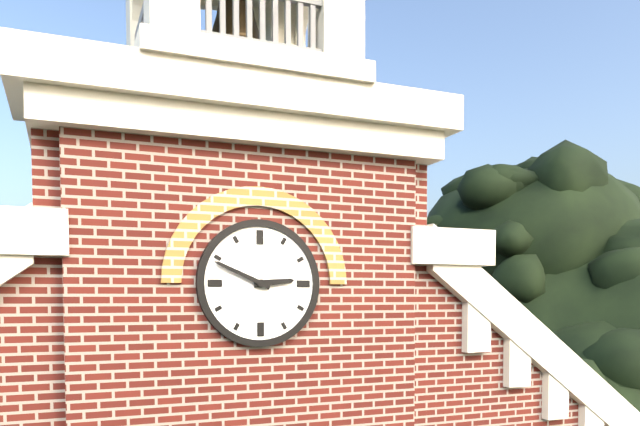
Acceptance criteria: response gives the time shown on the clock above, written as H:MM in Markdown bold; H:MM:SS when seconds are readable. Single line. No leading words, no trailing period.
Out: **2:49**
